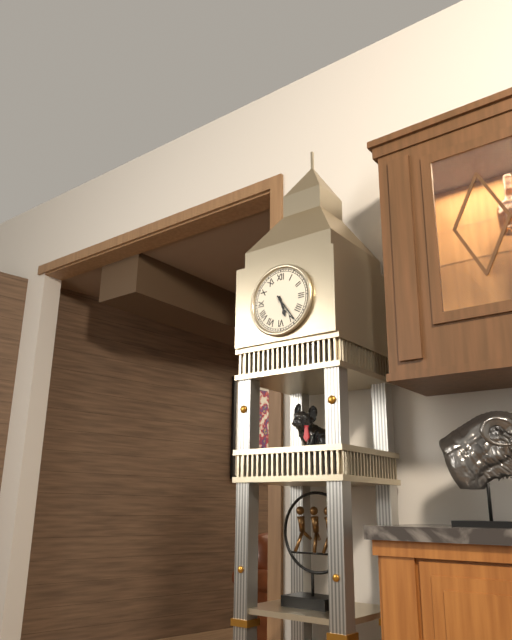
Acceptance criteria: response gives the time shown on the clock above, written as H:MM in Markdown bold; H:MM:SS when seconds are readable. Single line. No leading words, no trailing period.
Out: **5:24**
